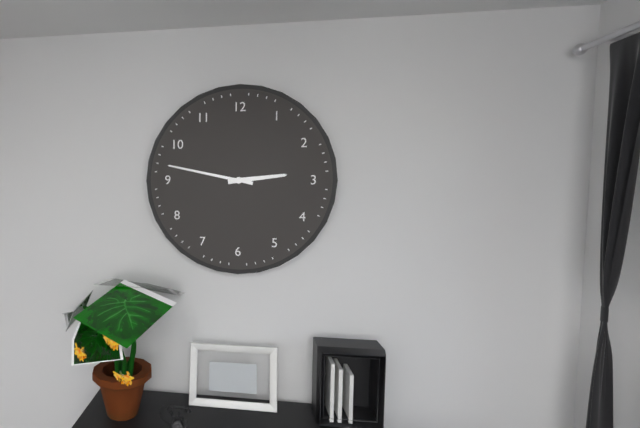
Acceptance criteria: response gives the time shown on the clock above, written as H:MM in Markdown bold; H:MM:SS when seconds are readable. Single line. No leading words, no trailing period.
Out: **2:47**
